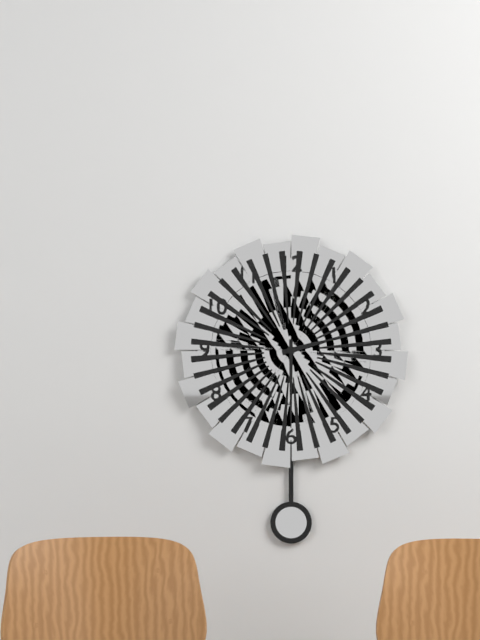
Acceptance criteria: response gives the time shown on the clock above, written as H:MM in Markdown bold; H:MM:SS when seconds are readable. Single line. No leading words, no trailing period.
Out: **2:30**
